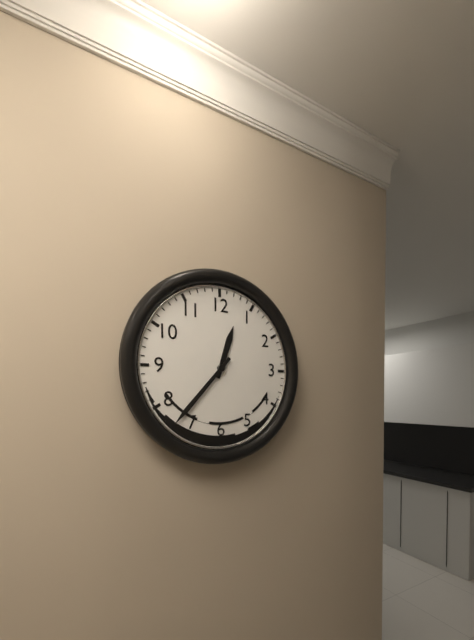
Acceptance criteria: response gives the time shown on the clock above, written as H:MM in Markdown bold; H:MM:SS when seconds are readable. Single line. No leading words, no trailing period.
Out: **12:37**
